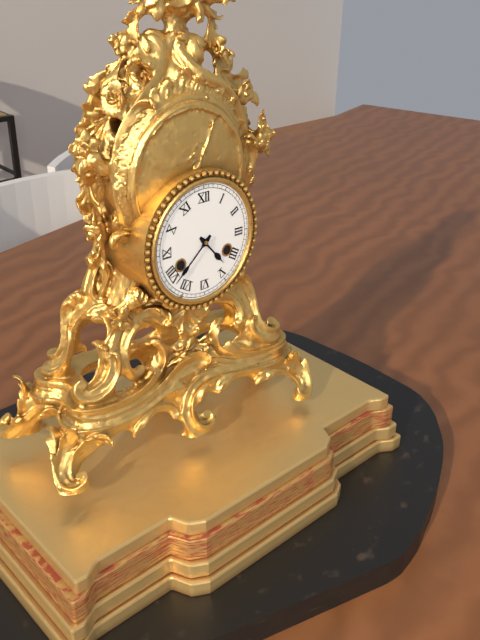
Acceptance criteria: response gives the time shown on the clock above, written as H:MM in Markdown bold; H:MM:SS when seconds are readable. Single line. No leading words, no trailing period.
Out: **4:38**
